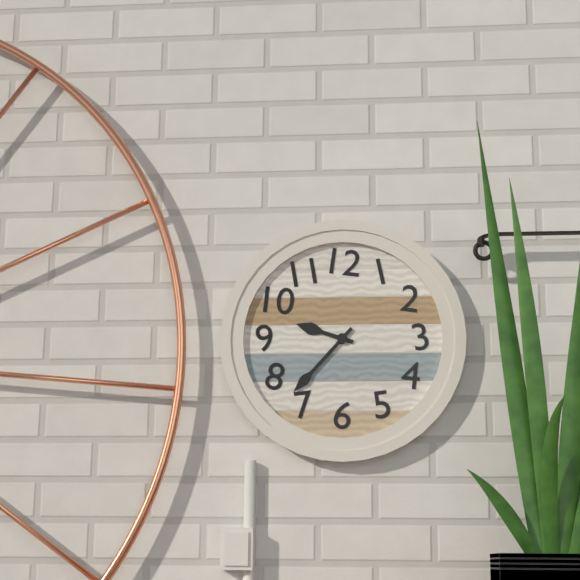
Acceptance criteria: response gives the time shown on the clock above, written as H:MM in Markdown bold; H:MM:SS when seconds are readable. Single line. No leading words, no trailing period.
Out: **9:37**
